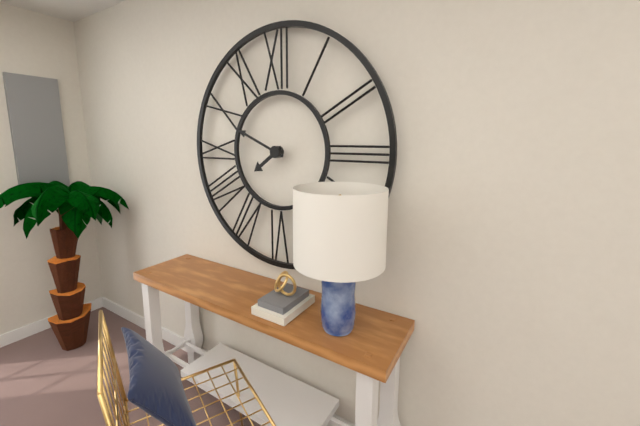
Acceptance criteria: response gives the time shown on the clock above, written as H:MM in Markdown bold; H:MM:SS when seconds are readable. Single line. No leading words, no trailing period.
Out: **7:49**
